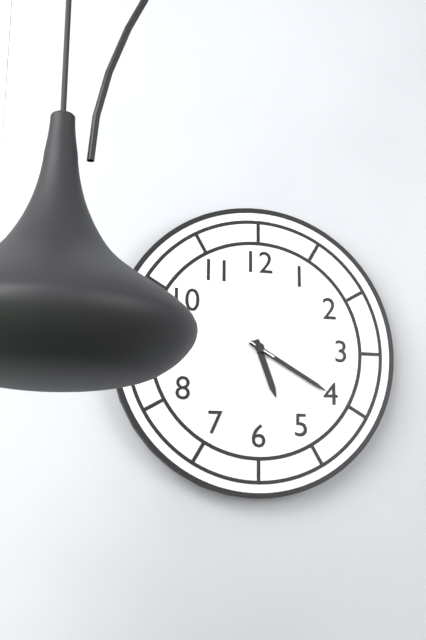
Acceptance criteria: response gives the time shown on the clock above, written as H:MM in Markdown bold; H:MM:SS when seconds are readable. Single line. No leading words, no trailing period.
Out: **5:20:50**
